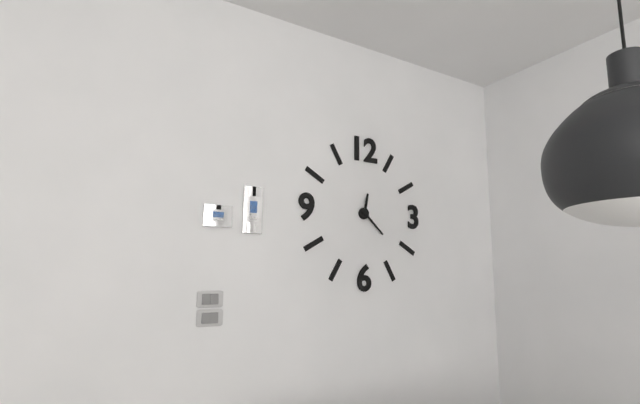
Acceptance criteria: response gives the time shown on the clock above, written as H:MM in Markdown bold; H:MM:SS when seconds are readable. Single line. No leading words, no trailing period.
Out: **12:22**
